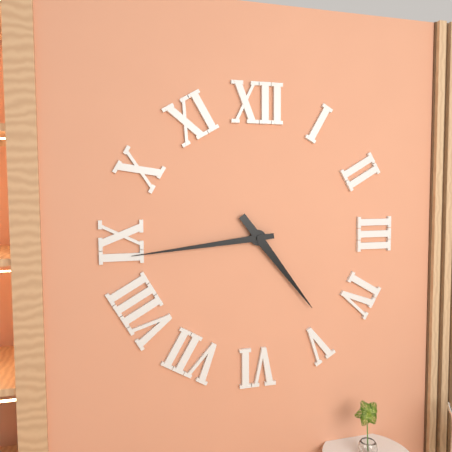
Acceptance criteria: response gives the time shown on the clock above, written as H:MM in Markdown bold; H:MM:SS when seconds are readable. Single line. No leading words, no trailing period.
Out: **4:44**
